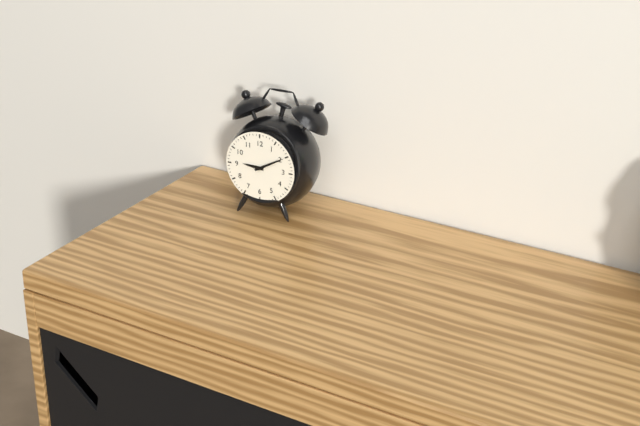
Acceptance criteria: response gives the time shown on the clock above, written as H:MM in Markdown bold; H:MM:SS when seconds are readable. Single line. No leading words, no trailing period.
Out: **9:10**
